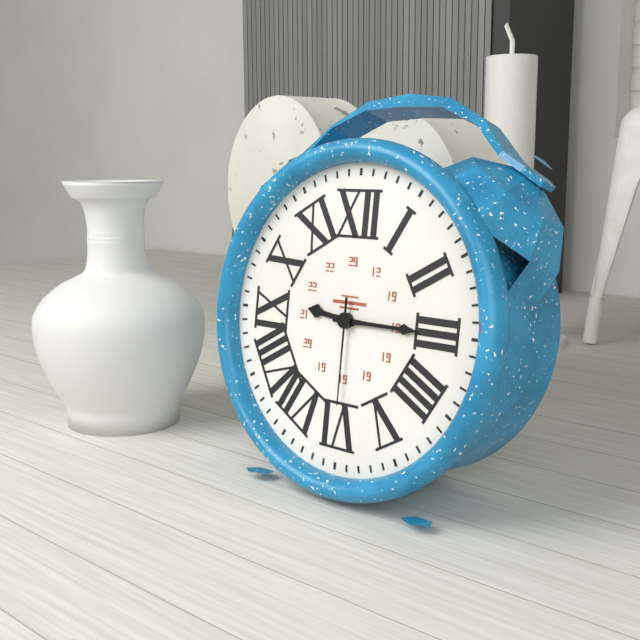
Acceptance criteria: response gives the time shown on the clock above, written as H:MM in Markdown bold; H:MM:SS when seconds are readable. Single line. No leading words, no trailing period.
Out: **9:15:30**
